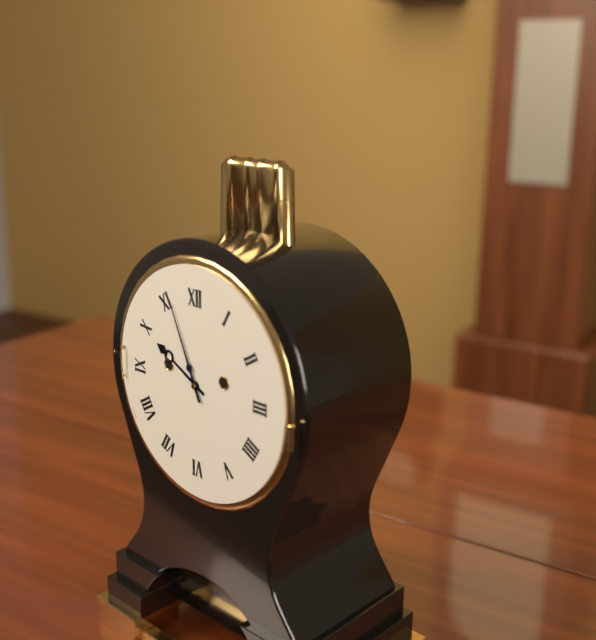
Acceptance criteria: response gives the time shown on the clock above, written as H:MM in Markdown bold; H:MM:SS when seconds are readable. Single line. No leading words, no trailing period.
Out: **9:56**
